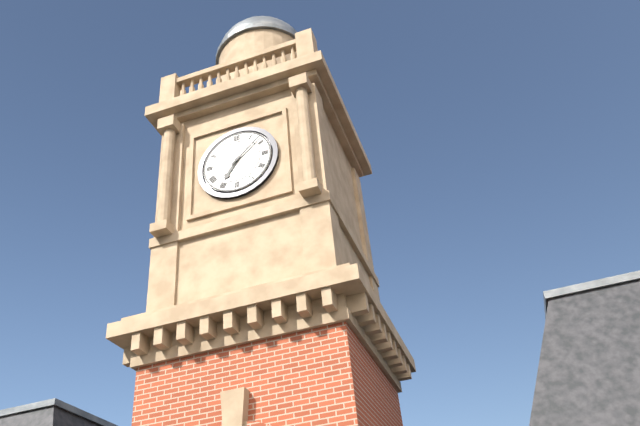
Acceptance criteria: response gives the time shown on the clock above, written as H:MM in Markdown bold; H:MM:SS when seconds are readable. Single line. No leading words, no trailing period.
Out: **7:08**
